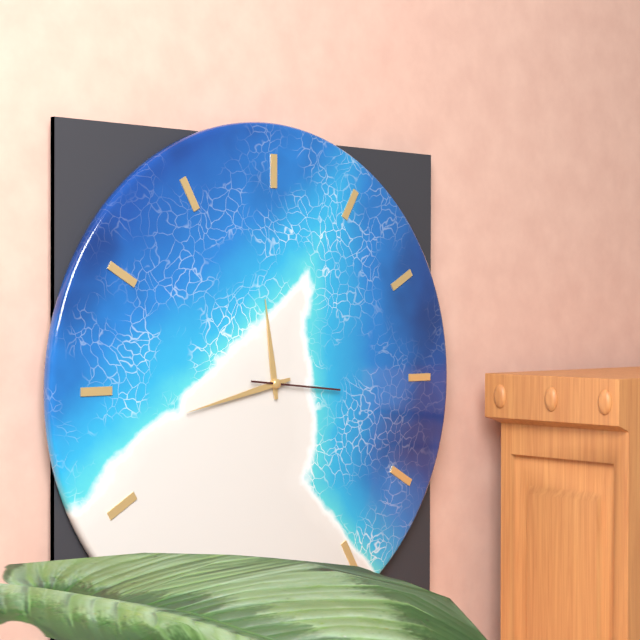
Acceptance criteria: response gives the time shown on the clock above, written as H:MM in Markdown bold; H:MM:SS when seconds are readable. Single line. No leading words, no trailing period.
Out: **11:43:16**
